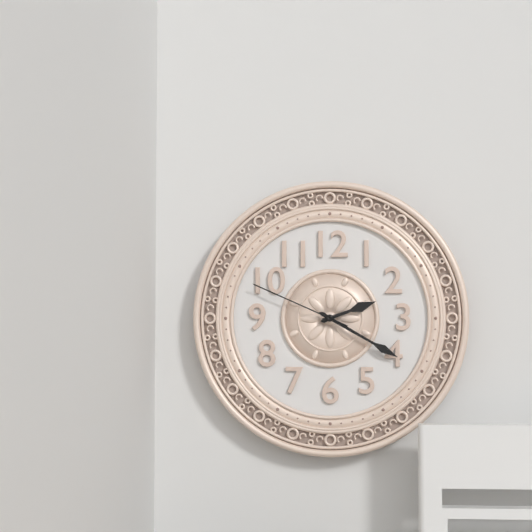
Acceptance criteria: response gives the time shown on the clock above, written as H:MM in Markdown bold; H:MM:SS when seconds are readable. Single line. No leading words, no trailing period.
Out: **2:20:49**
